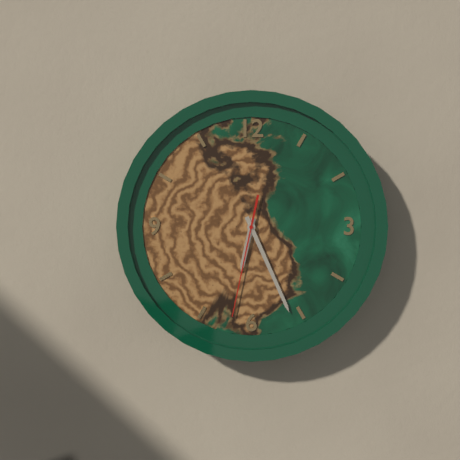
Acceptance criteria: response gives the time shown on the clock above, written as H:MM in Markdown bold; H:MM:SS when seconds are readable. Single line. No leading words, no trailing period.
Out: **6:26:32**
